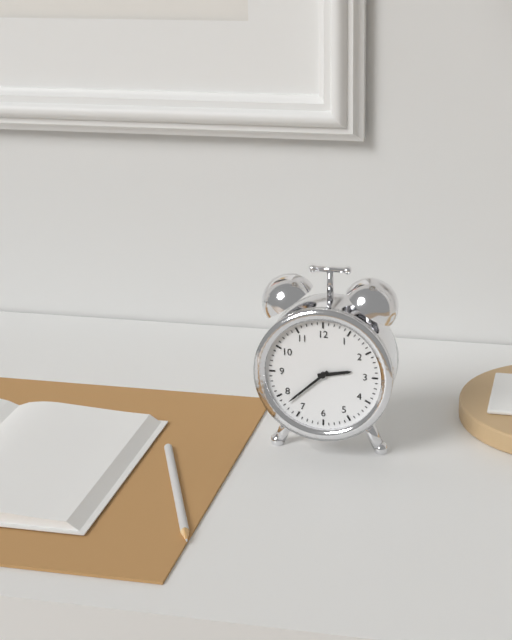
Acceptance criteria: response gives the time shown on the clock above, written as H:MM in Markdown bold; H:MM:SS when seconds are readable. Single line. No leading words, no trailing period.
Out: **2:38**
